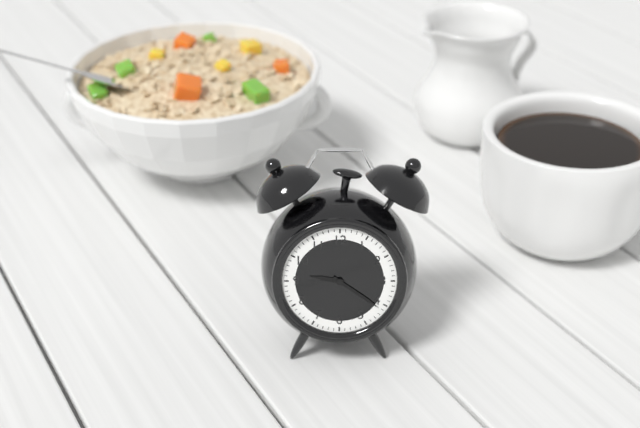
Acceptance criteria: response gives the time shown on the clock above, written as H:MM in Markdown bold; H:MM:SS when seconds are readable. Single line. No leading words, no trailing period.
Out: **9:21**
